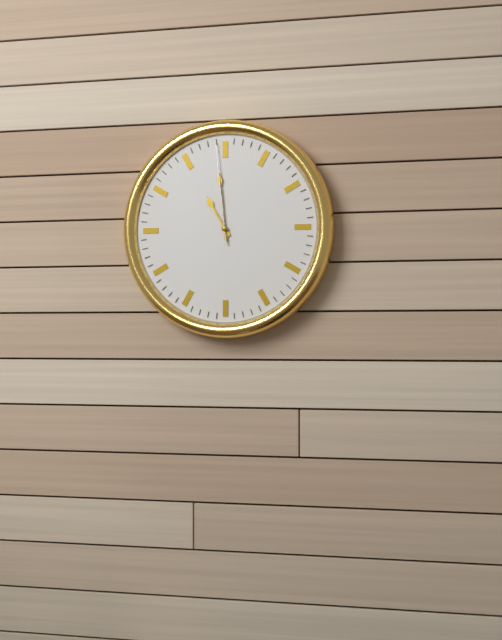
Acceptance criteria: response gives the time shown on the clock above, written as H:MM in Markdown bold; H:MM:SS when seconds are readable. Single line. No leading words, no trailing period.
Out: **10:59:59**
